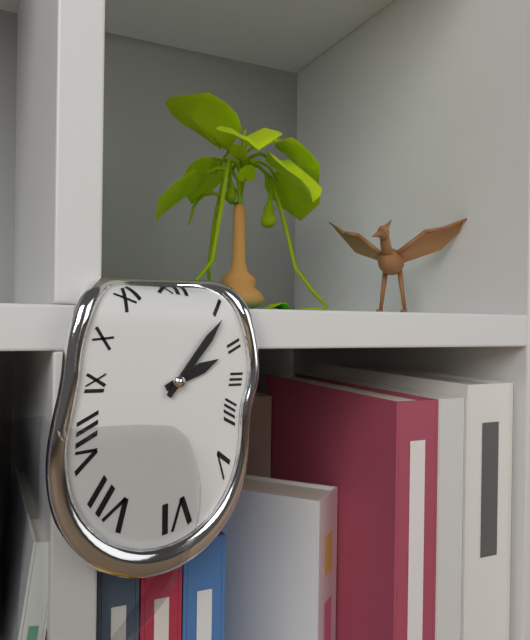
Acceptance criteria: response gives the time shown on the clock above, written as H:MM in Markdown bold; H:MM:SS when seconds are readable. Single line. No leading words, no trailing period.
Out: **2:06**
